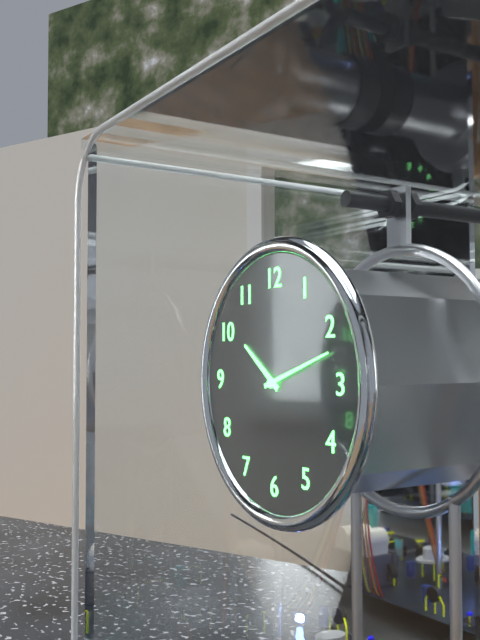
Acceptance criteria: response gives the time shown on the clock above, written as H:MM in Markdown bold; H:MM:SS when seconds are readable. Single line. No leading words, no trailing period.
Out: **10:12**
